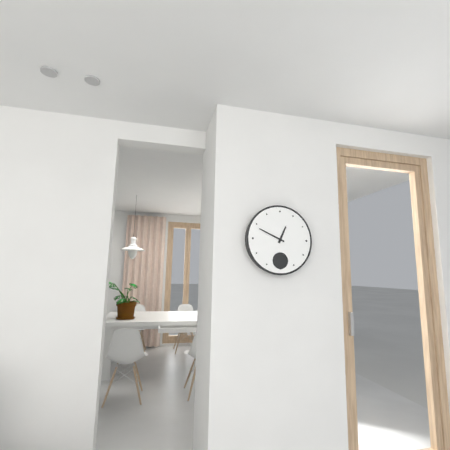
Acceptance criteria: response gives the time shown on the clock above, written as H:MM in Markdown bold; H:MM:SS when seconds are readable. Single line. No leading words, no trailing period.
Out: **12:49**
